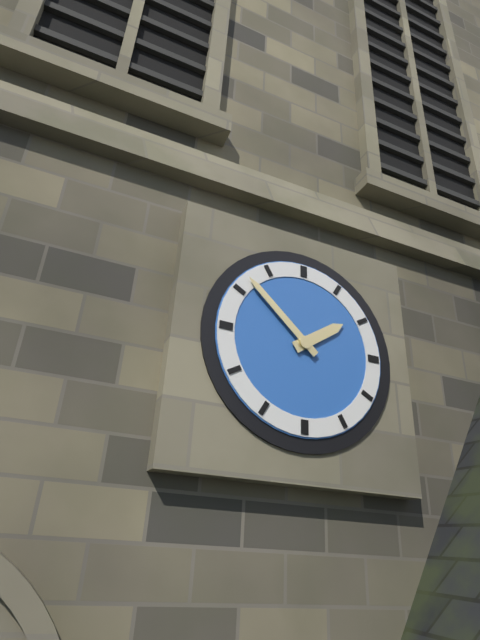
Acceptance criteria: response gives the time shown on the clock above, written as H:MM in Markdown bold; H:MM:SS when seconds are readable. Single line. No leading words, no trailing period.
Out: **1:52**
